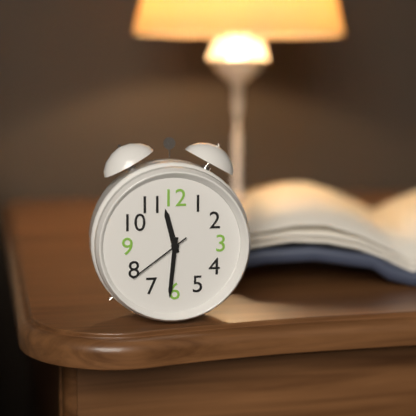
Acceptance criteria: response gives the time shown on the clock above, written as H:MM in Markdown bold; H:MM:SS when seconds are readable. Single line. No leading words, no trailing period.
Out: **11:31:39**
